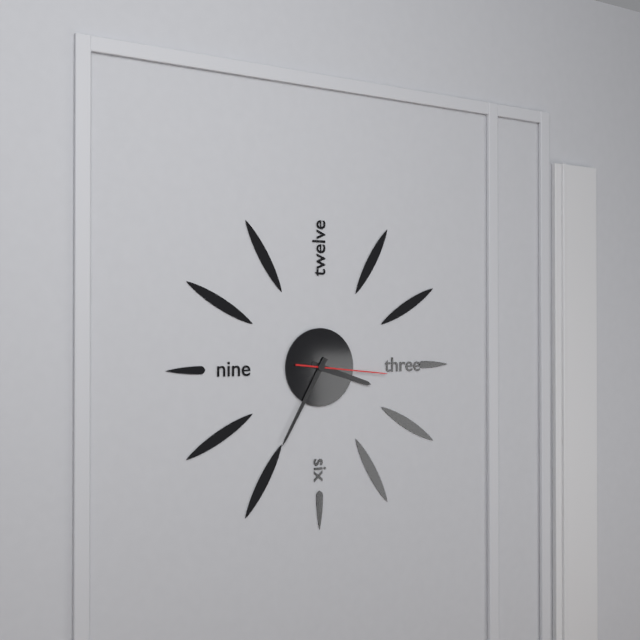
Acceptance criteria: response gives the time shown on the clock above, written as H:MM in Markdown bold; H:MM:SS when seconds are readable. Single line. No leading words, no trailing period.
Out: **3:35:16**
